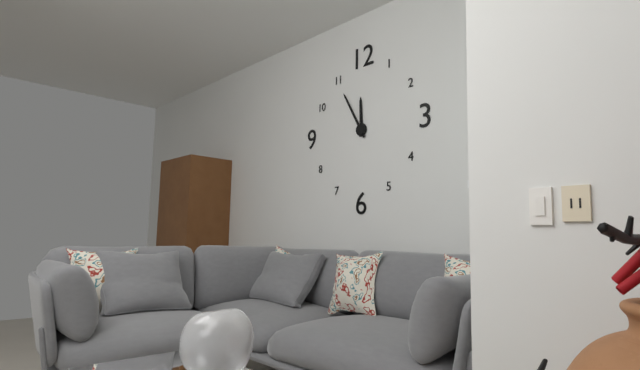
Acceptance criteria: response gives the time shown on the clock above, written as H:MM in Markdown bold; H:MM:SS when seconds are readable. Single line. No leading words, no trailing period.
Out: **11:55**
